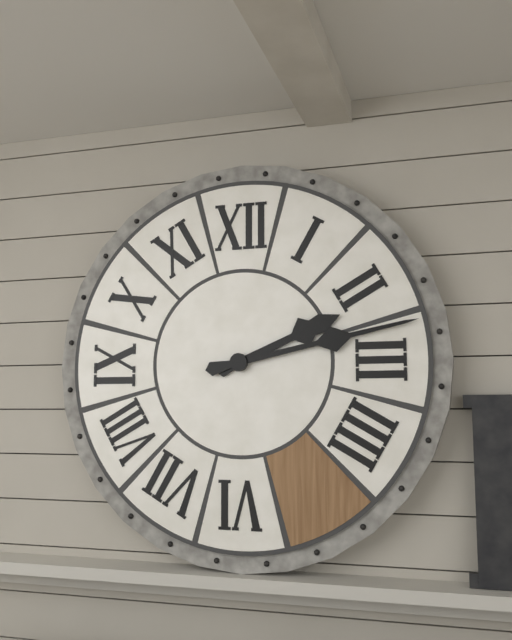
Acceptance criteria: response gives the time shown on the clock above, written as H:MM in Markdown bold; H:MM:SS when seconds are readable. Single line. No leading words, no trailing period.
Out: **2:13**
